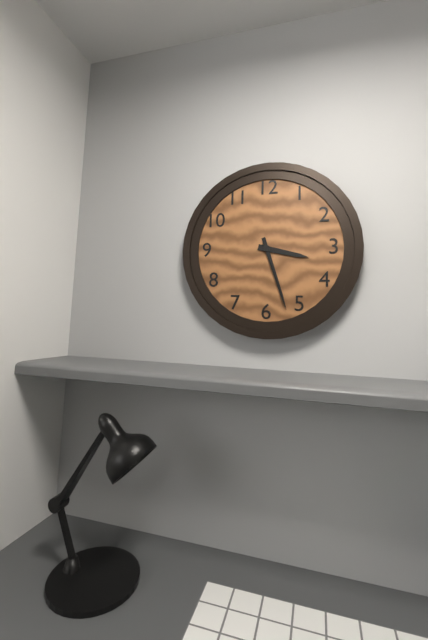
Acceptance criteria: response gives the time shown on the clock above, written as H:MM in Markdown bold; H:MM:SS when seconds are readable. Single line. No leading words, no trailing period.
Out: **3:27**
